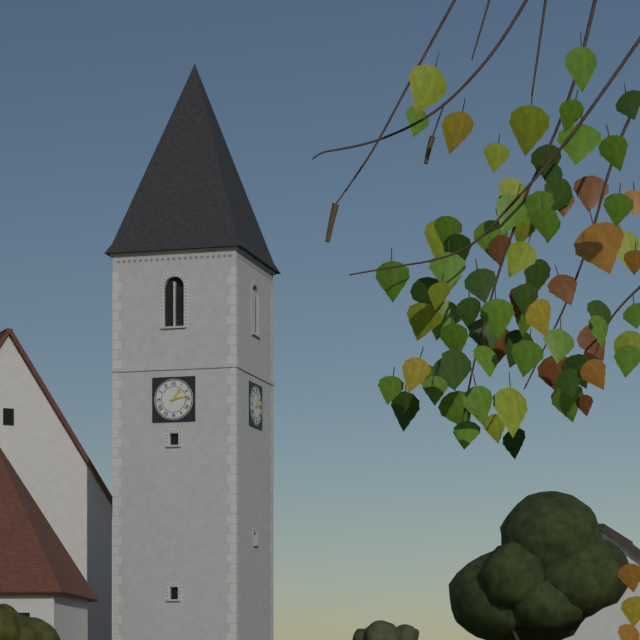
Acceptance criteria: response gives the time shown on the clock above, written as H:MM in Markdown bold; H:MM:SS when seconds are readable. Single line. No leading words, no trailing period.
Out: **1:13**
